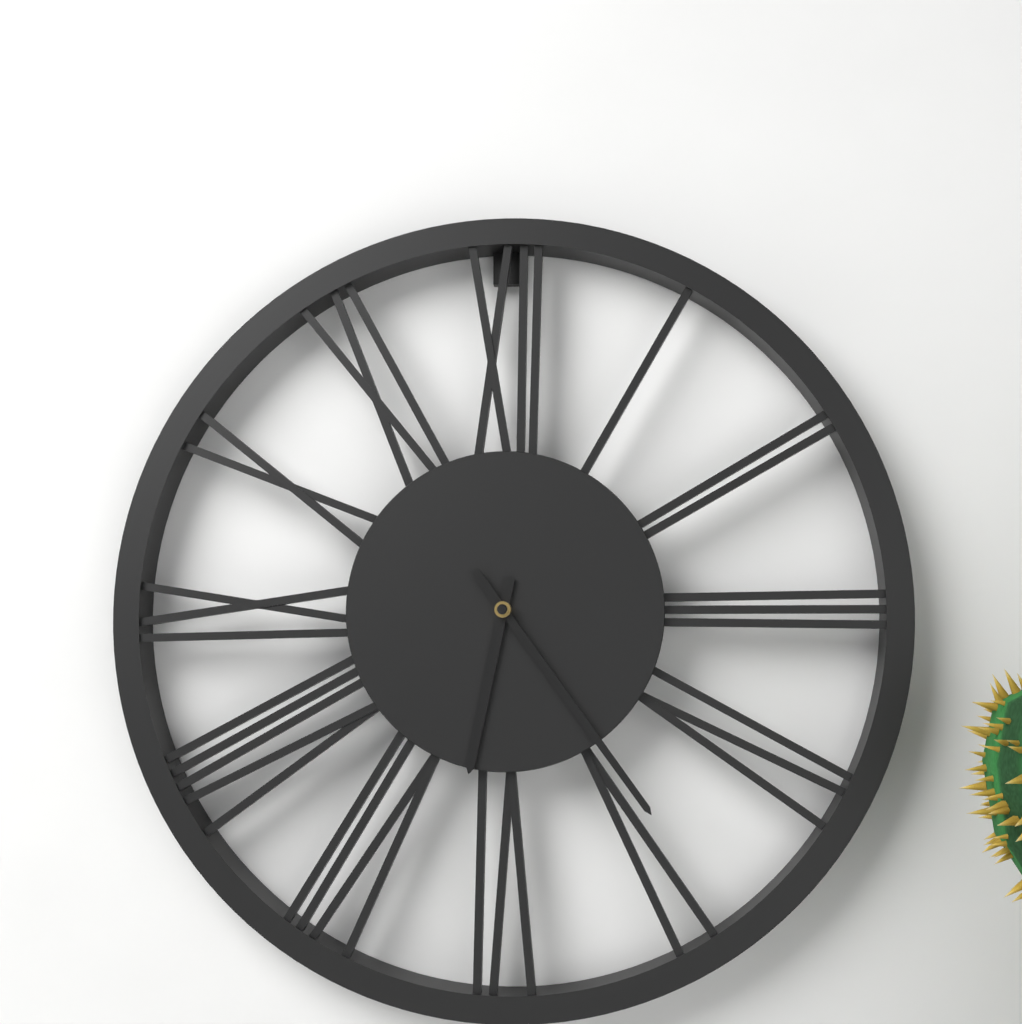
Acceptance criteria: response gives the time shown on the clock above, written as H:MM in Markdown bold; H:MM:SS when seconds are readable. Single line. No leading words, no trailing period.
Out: **6:24**
